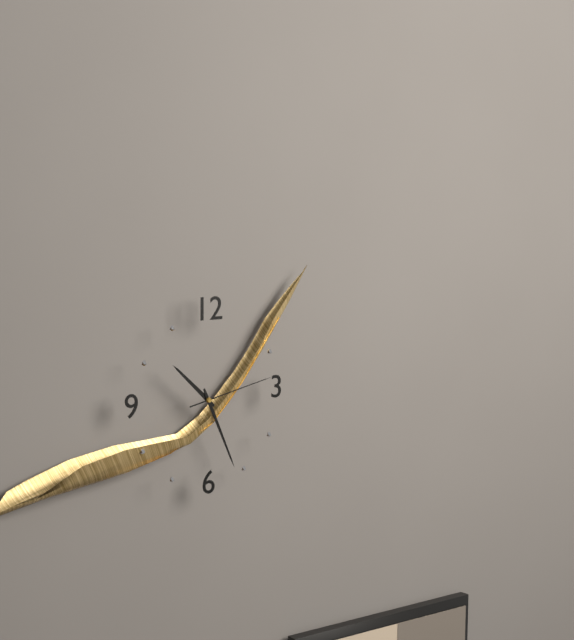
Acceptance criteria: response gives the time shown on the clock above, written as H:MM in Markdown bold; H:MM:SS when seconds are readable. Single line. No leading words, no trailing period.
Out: **10:26:13**
